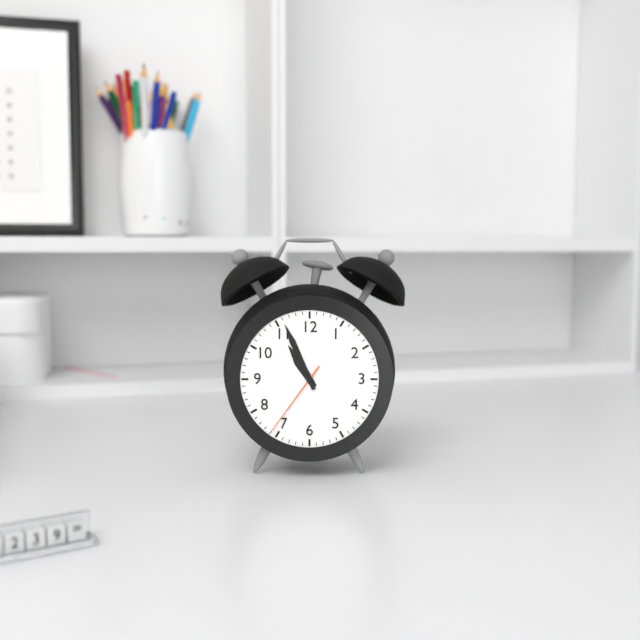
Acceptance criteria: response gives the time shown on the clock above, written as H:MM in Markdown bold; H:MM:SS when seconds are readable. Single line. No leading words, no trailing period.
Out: **10:56:36**
